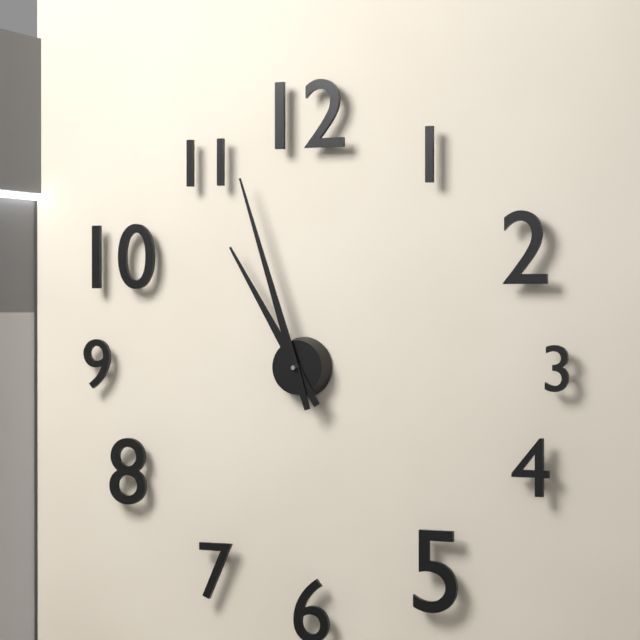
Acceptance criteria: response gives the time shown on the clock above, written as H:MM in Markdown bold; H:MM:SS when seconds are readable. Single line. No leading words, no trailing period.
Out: **10:57**
